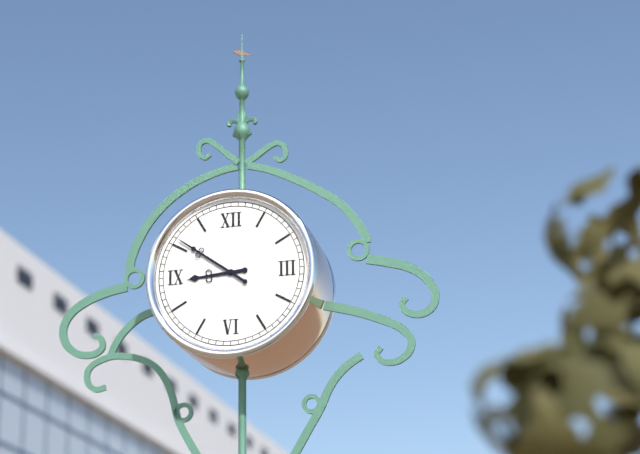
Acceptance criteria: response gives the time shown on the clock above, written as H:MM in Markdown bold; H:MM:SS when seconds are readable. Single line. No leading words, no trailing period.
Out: **8:51**
